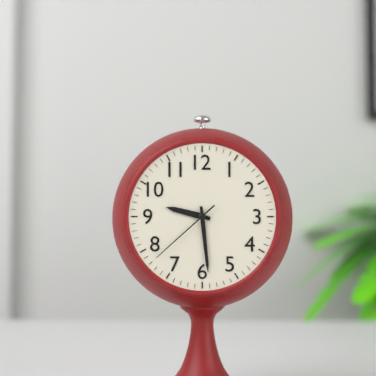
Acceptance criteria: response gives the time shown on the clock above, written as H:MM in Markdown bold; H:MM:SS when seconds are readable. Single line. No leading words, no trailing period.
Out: **9:29:38**
